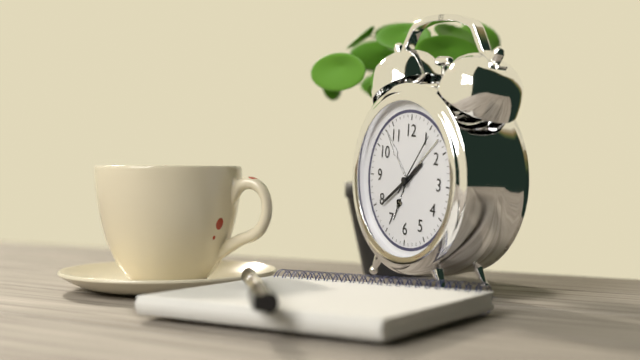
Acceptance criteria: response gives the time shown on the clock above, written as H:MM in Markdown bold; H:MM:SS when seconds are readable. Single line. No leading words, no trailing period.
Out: **1:39:06**
